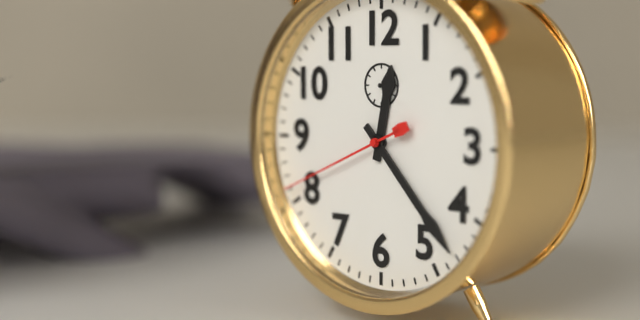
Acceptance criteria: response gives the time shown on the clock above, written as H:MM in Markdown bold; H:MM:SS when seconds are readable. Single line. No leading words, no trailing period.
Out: **12:23:41**
